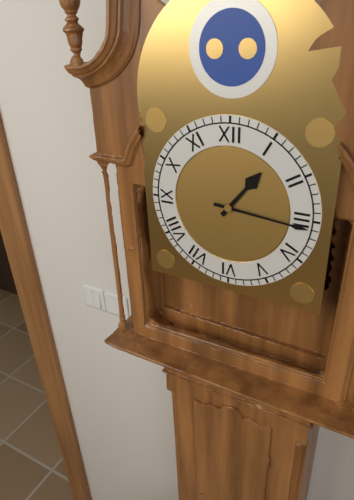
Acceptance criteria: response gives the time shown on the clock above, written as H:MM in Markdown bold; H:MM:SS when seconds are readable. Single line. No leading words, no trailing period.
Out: **1:16**
